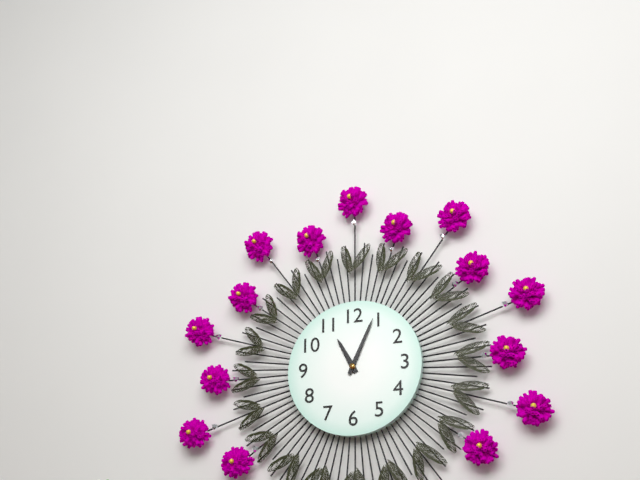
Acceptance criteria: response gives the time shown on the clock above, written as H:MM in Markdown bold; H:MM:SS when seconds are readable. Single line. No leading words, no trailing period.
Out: **11:04**
